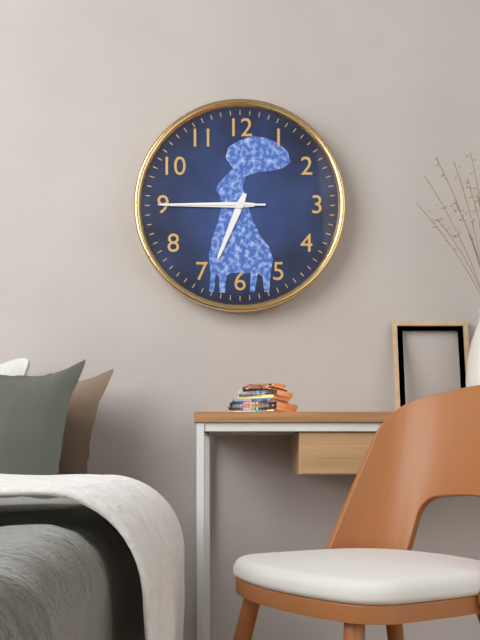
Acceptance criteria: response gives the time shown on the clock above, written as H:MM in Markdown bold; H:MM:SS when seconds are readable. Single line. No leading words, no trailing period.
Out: **6:45:45**
